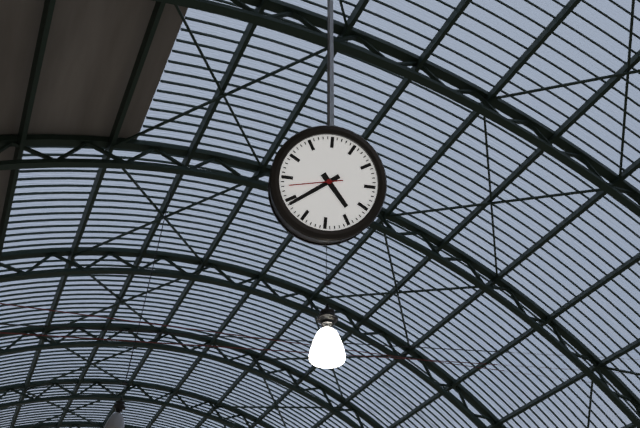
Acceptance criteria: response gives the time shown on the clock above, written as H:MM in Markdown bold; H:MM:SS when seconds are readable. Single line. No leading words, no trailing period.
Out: **4:39:43**
